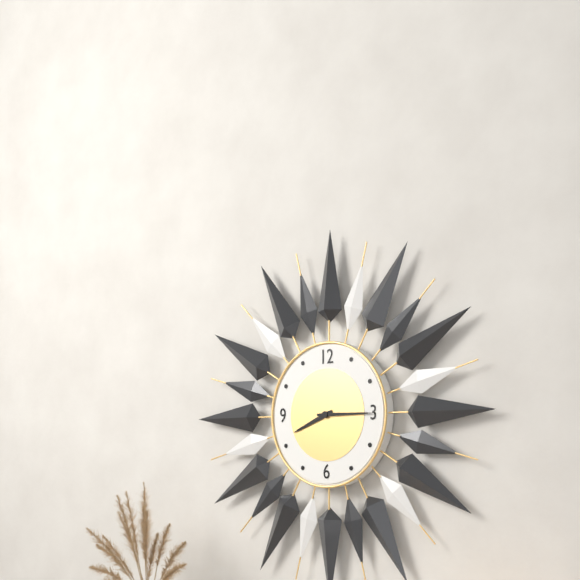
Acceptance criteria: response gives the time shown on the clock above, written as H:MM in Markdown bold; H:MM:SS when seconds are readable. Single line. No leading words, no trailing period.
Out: **8:15**
